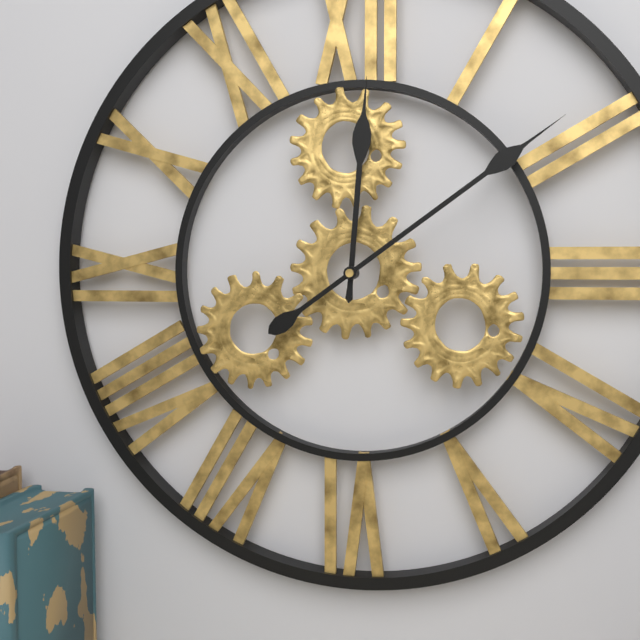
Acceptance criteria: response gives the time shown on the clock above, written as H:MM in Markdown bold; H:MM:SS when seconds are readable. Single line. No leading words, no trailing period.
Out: **12:09**
